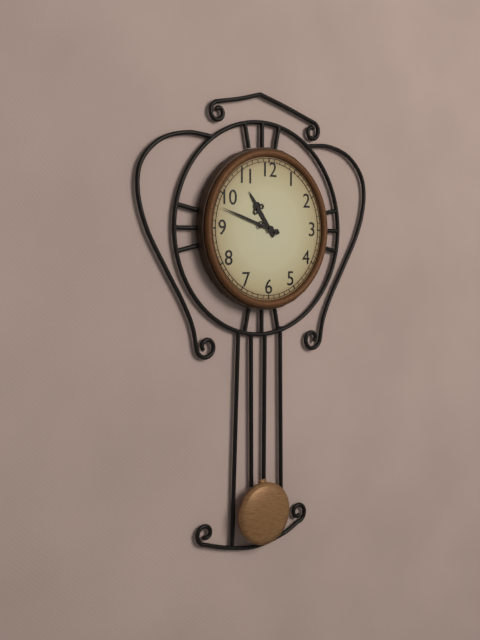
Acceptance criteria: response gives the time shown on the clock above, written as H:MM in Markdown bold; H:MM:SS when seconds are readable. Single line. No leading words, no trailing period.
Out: **10:48**
